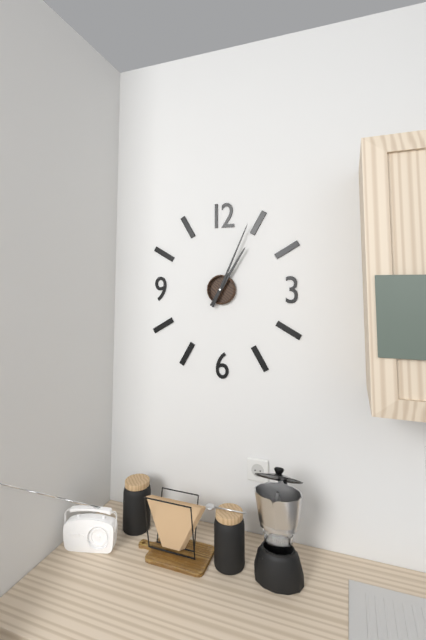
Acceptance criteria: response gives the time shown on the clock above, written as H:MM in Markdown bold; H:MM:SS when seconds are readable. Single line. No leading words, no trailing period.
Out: **1:04**
